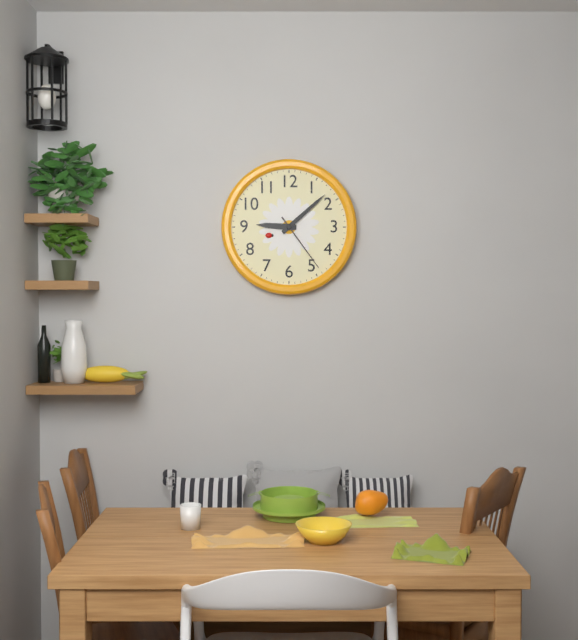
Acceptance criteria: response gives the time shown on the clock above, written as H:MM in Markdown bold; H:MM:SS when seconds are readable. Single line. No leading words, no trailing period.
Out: **9:08:24**
